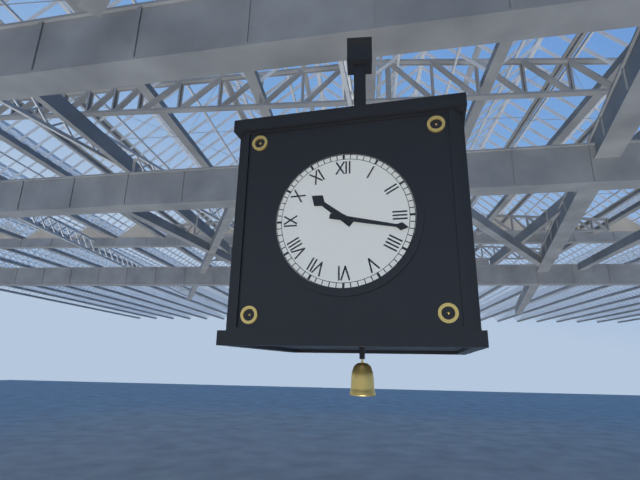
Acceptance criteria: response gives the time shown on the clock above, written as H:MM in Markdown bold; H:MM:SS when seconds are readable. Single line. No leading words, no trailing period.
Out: **10:17**
